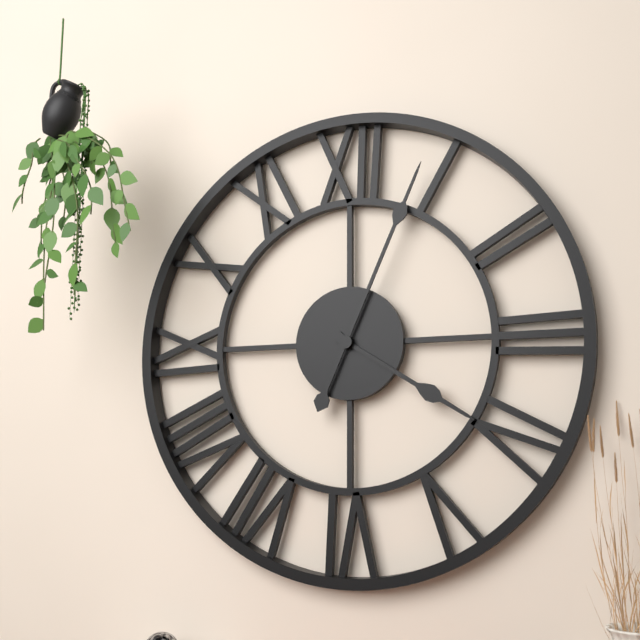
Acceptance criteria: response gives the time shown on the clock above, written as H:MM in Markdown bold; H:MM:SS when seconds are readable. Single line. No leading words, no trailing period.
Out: **4:04**
